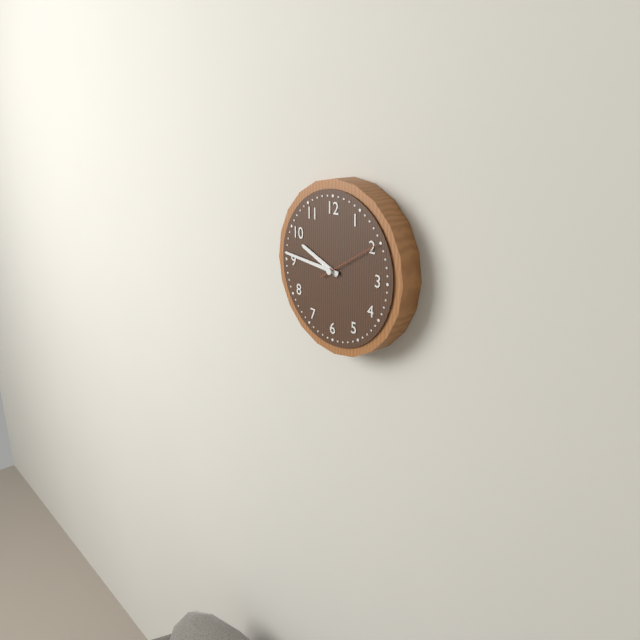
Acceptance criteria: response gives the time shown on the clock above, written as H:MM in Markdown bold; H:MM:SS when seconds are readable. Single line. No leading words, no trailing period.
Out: **9:46:10**
